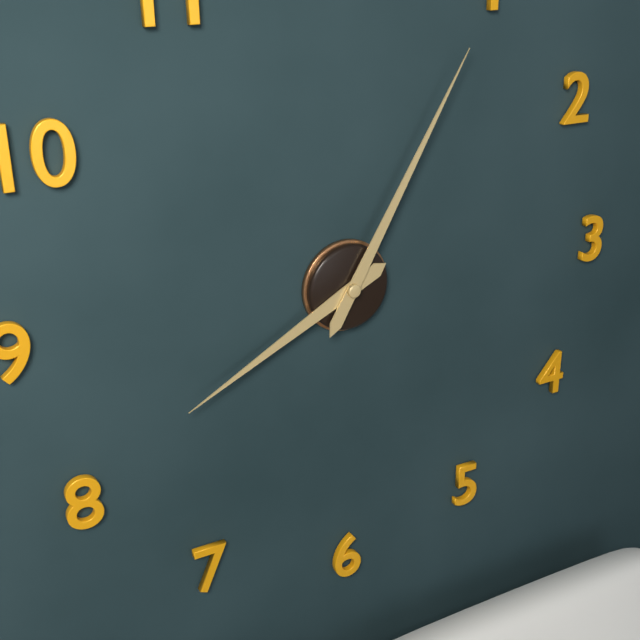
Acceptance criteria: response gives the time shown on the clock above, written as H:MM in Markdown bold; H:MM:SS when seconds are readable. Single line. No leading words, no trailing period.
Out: **8:05**
